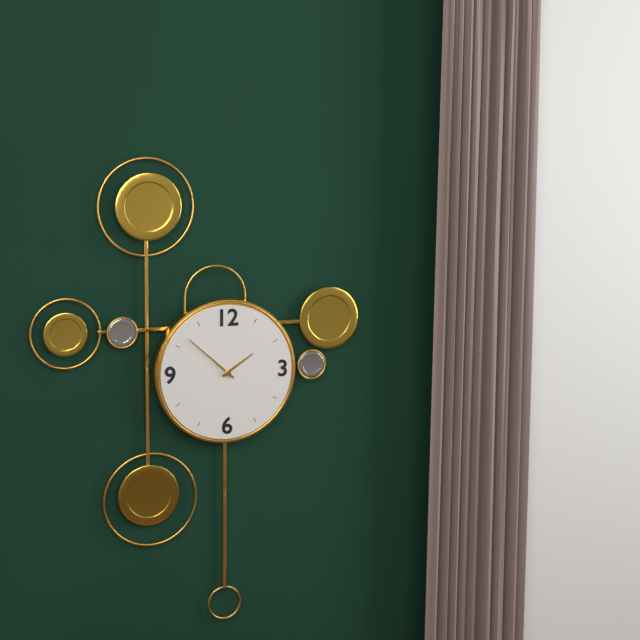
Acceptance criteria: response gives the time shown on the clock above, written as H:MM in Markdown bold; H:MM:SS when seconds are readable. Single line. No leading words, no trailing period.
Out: **1:52**
